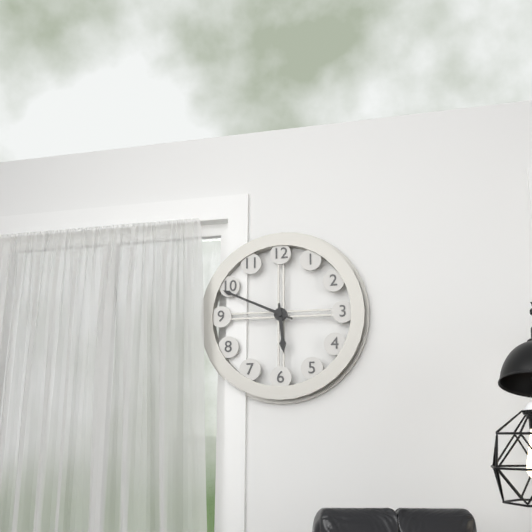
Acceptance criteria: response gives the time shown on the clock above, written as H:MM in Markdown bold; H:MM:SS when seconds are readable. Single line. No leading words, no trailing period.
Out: **5:49**
